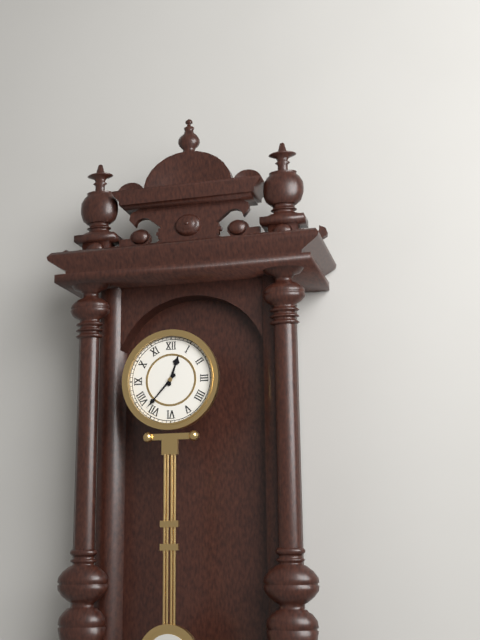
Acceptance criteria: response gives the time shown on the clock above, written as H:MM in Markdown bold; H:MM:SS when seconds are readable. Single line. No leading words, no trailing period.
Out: **12:37**
